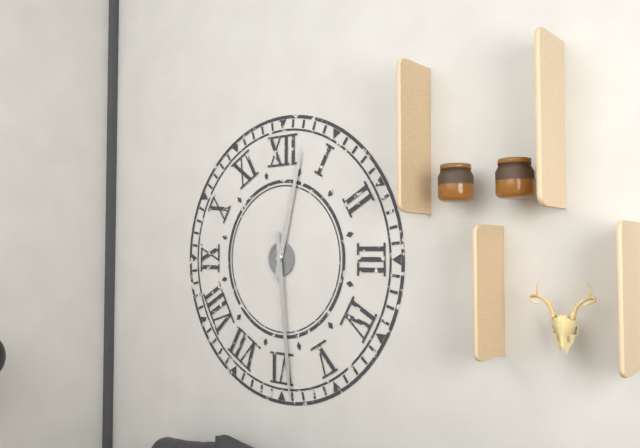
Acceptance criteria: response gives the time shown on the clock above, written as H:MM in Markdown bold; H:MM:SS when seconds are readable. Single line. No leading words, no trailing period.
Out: **12:29**
